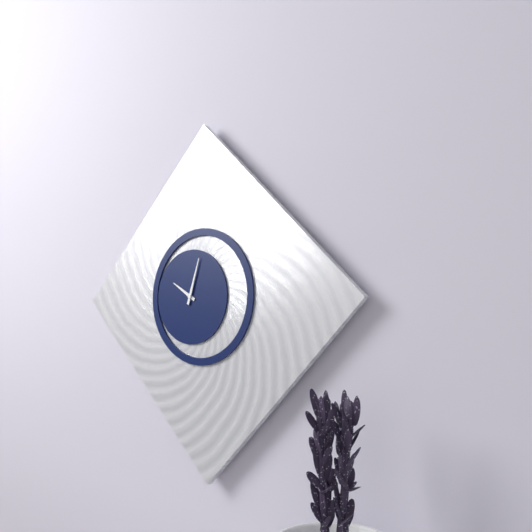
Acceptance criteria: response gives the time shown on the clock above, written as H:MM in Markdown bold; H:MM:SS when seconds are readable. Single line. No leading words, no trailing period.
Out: **10:03**
